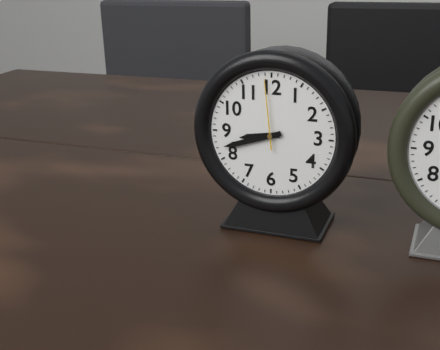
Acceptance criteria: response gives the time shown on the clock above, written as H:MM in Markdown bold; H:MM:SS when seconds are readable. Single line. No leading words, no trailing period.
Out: **8:42:59**
